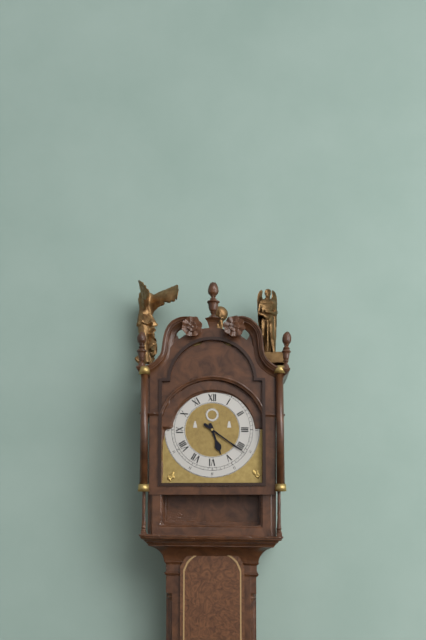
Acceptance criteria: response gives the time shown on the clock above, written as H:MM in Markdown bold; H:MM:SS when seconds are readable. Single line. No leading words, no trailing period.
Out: **5:21**
